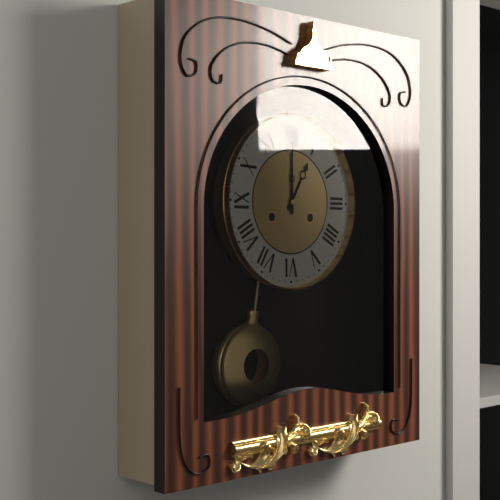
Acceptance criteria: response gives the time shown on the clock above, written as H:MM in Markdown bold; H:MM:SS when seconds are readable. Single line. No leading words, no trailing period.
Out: **1:00**
